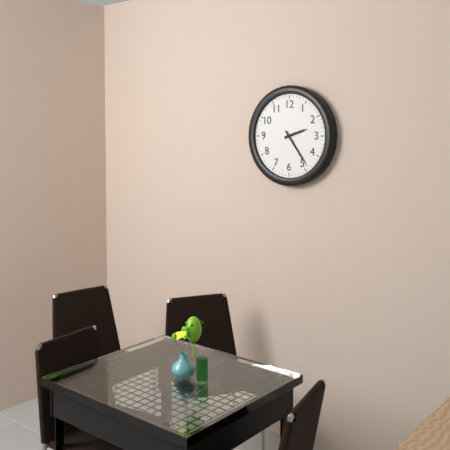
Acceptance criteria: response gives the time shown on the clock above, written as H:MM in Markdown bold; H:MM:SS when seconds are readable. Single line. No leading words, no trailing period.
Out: **2:24**
